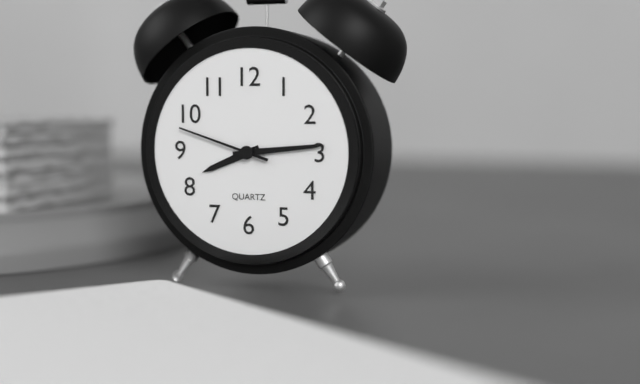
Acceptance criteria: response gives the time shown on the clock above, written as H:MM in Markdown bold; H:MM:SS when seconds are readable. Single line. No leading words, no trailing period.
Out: **8:14:48**
